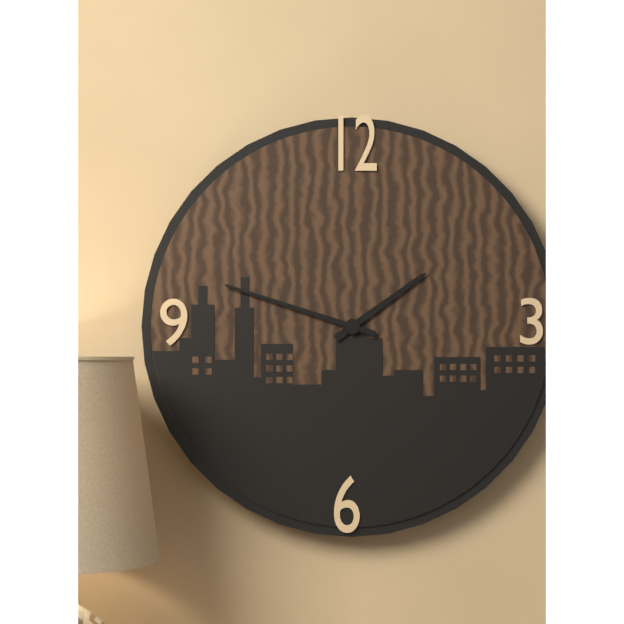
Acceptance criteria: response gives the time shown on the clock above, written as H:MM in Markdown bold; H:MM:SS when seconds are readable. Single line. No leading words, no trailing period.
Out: **1:48**
